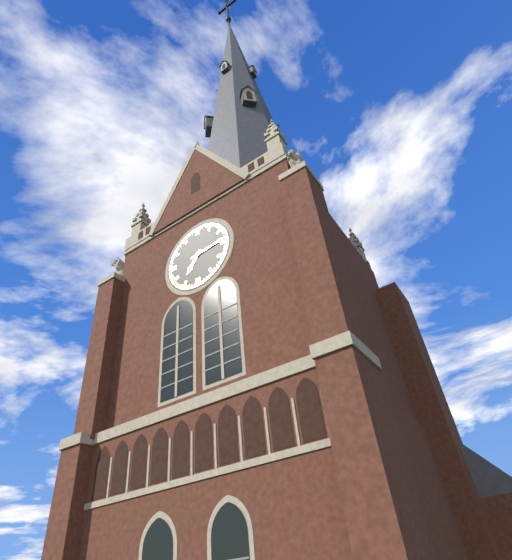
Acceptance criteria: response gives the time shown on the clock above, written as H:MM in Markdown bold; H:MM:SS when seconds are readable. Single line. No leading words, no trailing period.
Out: **7:14**
